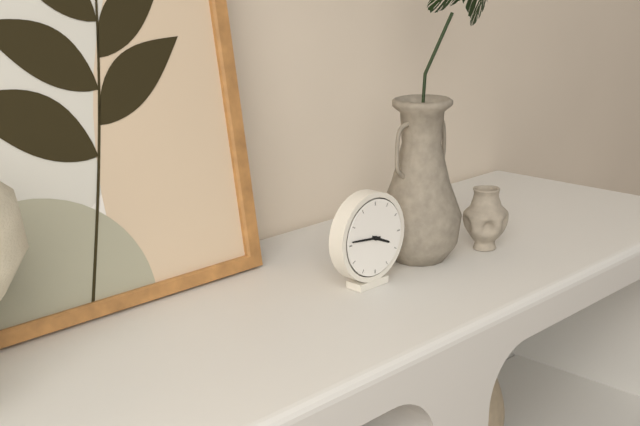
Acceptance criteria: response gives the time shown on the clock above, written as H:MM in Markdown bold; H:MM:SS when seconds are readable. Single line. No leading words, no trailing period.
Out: **3:46**
